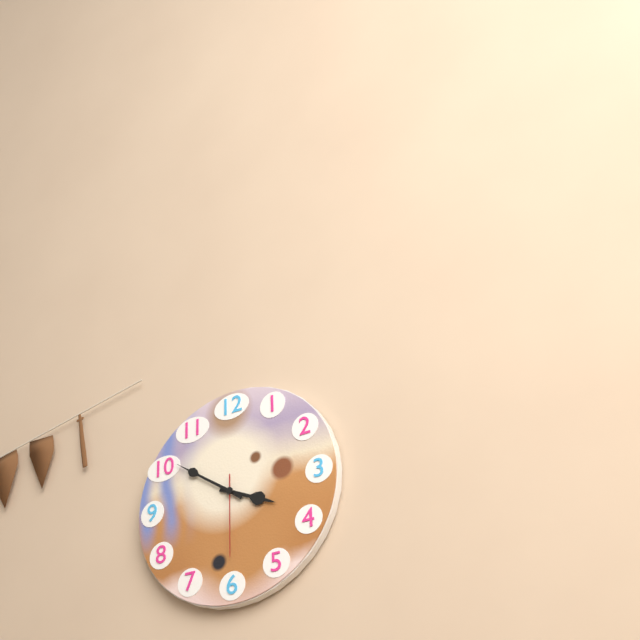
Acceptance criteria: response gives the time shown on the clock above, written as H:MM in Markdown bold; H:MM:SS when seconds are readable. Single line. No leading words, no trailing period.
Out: **3:51:30**
